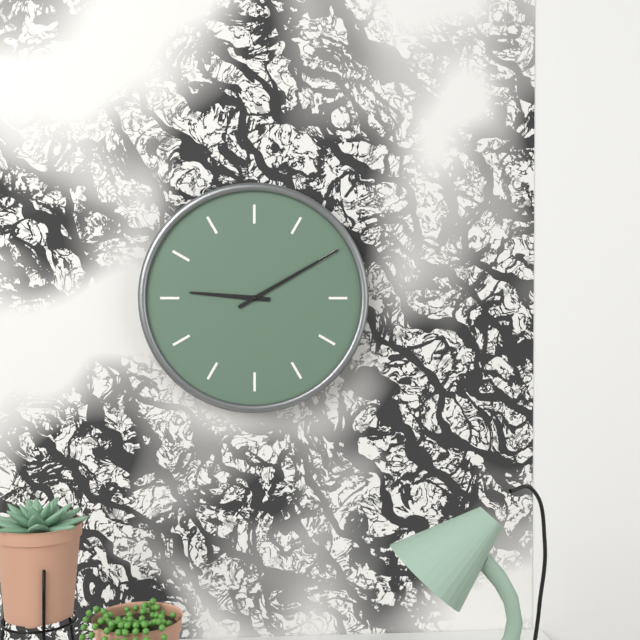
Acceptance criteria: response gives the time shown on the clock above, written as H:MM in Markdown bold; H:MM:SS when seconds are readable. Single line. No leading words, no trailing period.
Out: **9:10**
